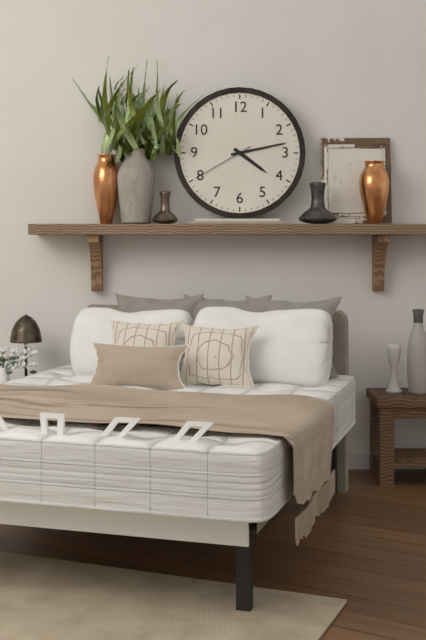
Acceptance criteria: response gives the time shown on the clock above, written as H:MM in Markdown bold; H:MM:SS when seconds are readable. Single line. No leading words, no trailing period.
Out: **4:13:40**
